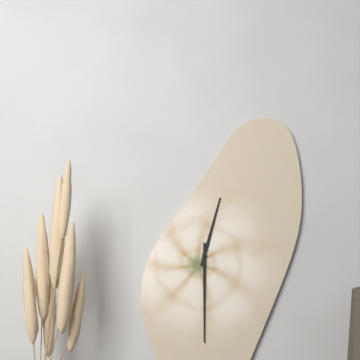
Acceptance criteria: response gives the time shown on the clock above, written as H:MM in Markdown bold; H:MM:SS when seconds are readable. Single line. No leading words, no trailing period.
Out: **12:30**
